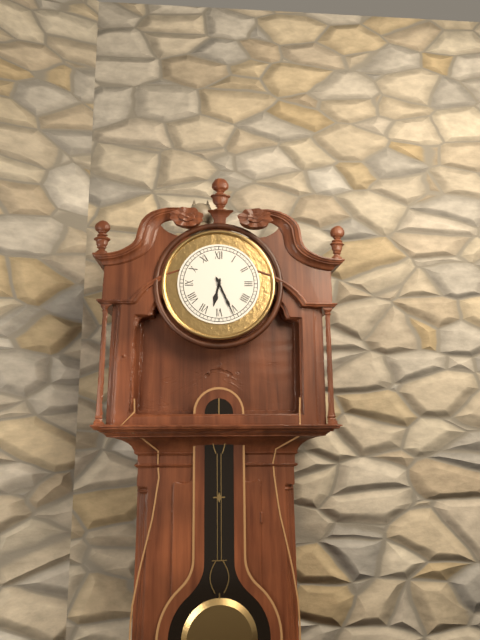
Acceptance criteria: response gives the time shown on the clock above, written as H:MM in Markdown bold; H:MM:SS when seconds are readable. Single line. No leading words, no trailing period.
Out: **6:26**
